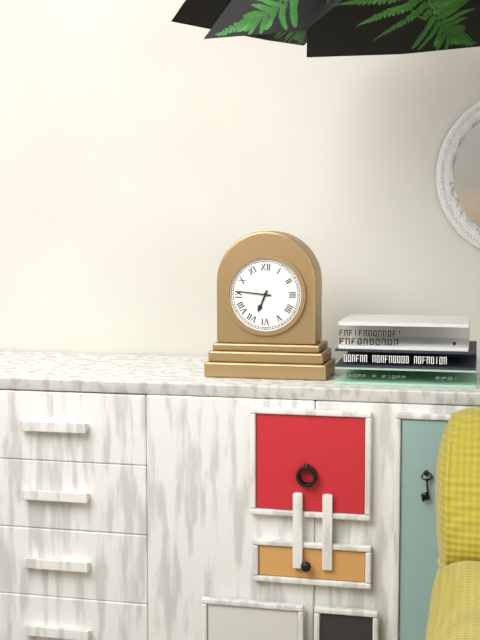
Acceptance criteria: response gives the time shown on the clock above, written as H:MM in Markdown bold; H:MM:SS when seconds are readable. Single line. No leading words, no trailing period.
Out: **6:46**
